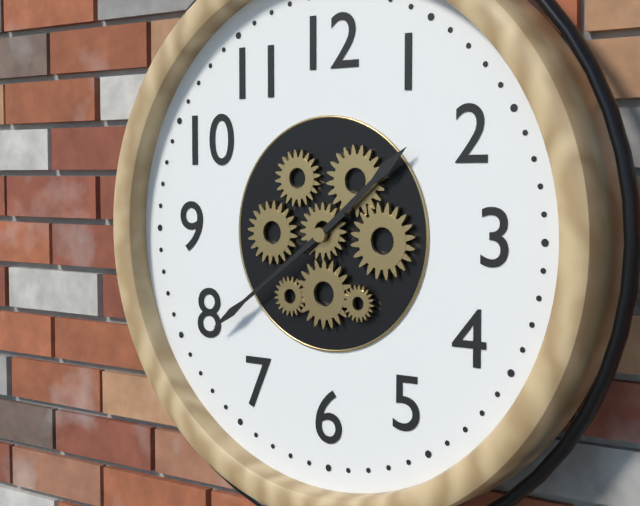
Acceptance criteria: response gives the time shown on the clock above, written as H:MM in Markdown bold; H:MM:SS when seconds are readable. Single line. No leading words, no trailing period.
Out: **1:39**
